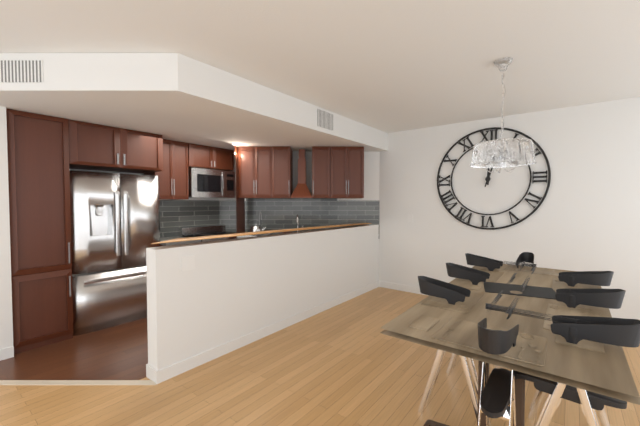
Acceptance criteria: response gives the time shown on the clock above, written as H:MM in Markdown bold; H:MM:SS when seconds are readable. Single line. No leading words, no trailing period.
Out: **12:03**
